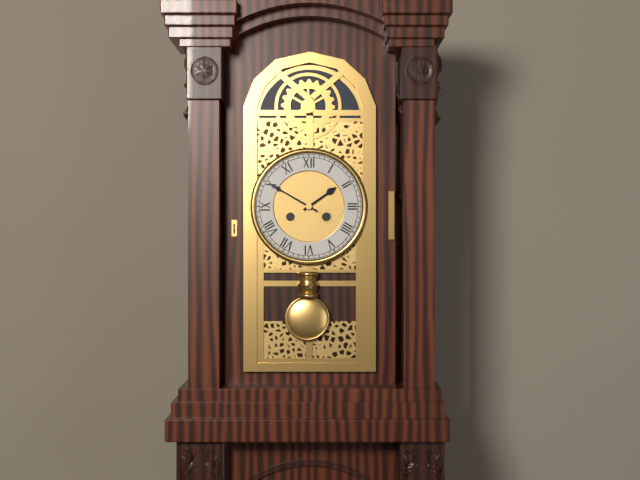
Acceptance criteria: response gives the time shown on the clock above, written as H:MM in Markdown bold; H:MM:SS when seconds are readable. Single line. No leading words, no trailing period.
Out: **1:50**
